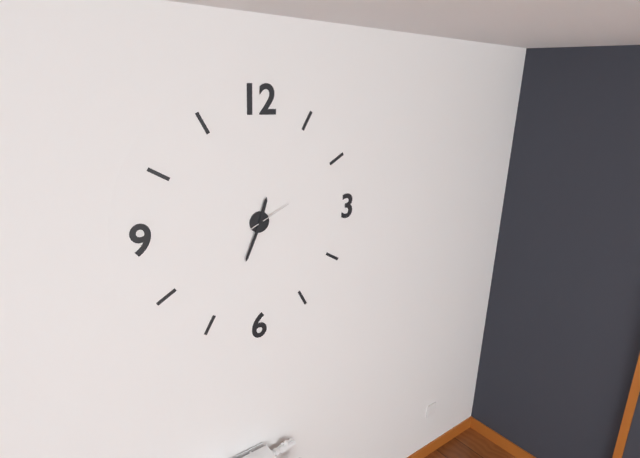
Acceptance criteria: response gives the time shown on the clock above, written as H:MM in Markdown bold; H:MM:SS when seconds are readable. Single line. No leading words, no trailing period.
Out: **12:34**
